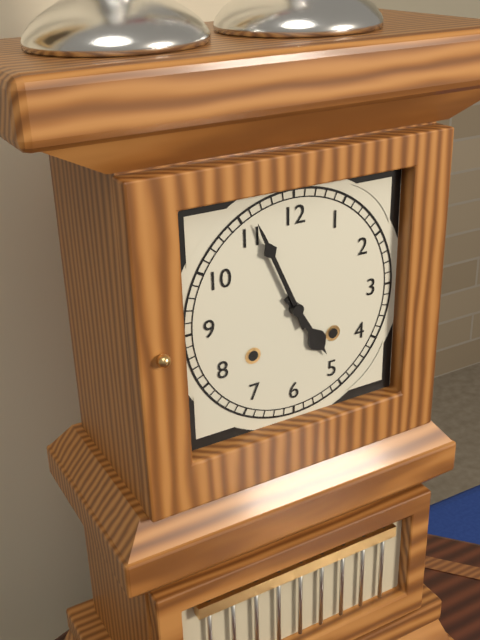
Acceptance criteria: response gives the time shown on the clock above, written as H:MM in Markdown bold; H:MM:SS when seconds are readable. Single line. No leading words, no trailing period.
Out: **4:56**
